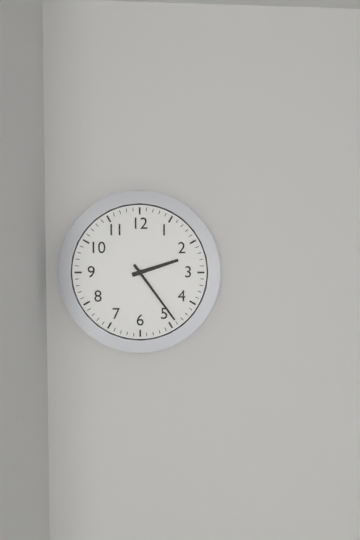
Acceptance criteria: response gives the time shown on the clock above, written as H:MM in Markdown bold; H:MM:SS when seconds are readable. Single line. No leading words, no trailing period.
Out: **2:24**
